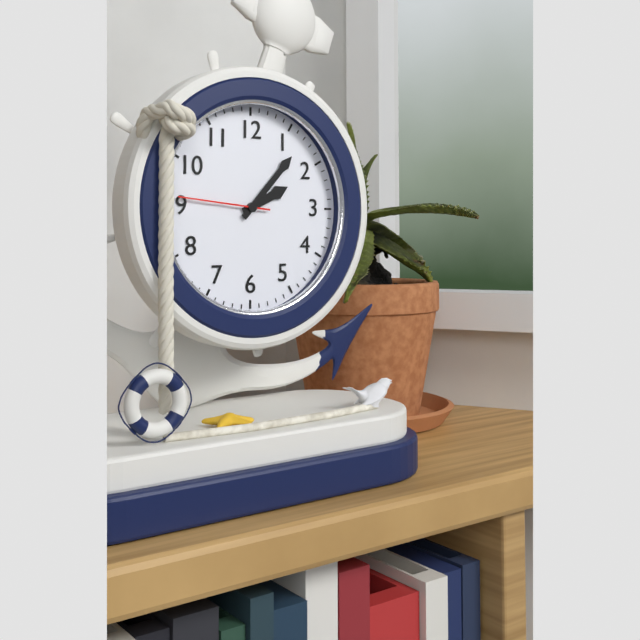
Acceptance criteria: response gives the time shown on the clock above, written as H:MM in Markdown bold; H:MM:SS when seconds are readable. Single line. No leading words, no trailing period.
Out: **2:07:46**
